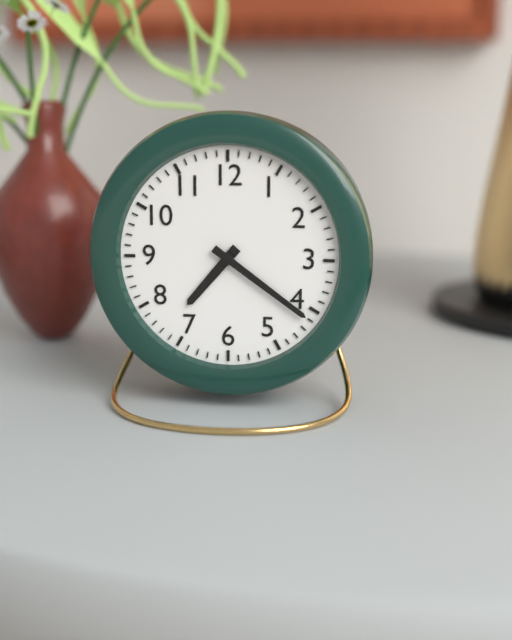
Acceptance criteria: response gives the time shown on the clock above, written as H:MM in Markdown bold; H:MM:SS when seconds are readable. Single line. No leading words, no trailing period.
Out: **7:21**
